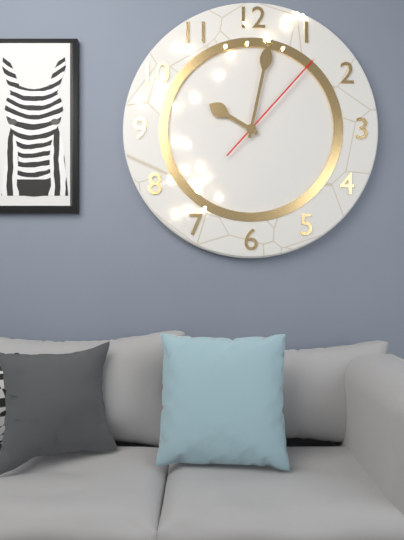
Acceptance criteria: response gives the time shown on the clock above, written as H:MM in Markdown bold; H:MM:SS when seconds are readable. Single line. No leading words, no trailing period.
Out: **10:02:07**
